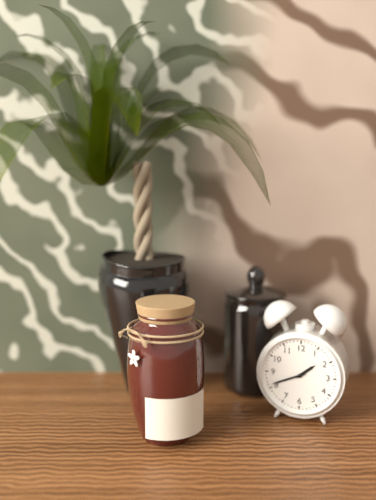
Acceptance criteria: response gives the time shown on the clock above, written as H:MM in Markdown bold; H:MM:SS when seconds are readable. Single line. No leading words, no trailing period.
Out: **1:41**
